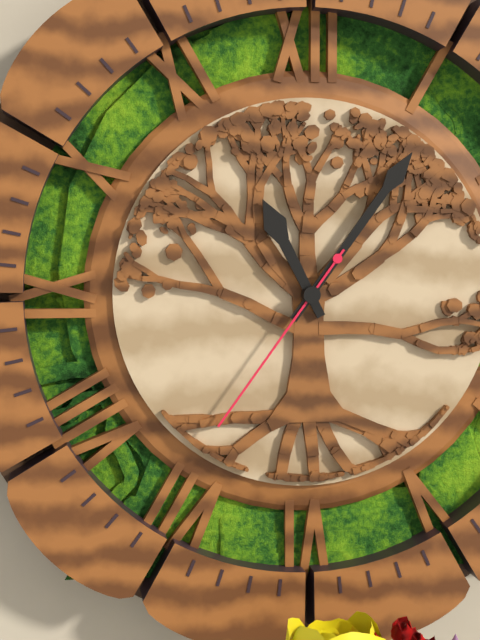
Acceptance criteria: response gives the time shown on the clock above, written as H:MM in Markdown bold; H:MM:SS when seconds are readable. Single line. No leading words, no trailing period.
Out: **11:06:36**
